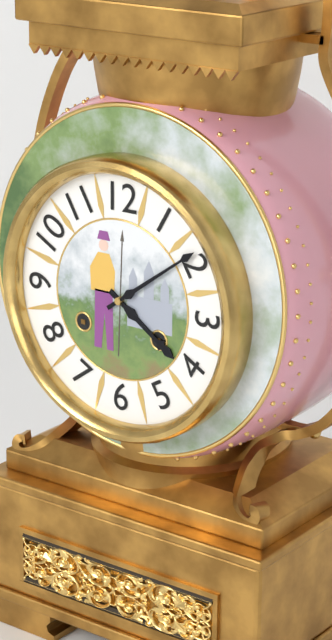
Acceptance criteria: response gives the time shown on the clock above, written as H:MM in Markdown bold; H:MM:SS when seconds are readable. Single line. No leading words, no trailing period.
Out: **4:09**
